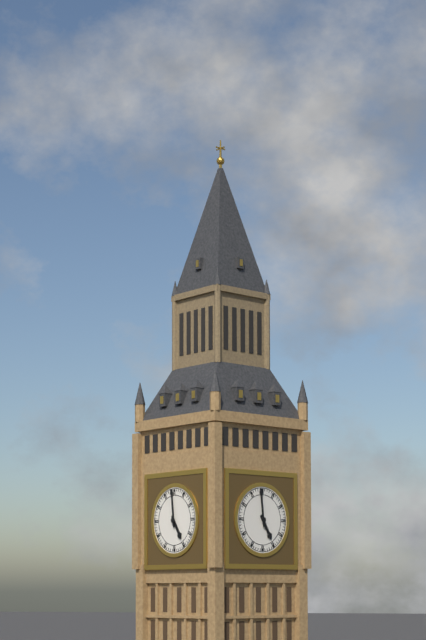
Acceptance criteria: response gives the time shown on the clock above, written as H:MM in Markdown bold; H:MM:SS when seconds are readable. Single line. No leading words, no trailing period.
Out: **4:59**
